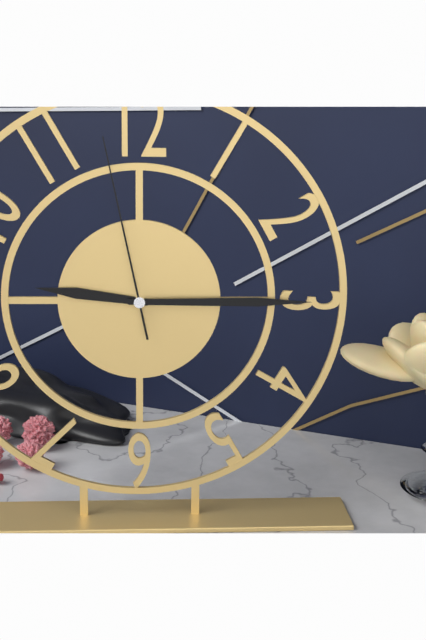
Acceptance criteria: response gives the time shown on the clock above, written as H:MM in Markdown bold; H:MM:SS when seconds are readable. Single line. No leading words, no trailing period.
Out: **9:15:58**
